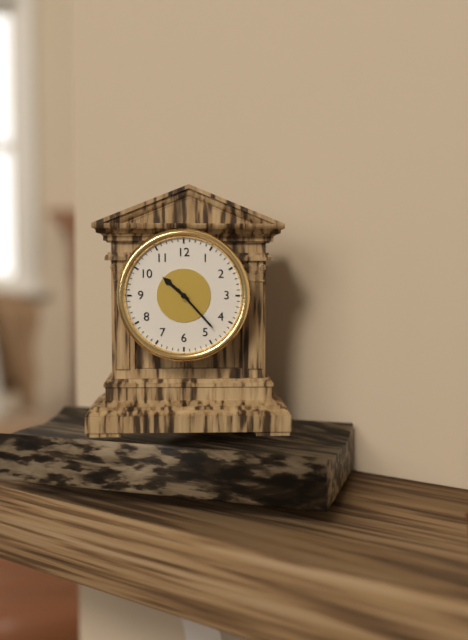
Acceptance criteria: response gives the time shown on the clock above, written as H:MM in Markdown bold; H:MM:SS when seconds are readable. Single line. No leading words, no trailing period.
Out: **10:23**
